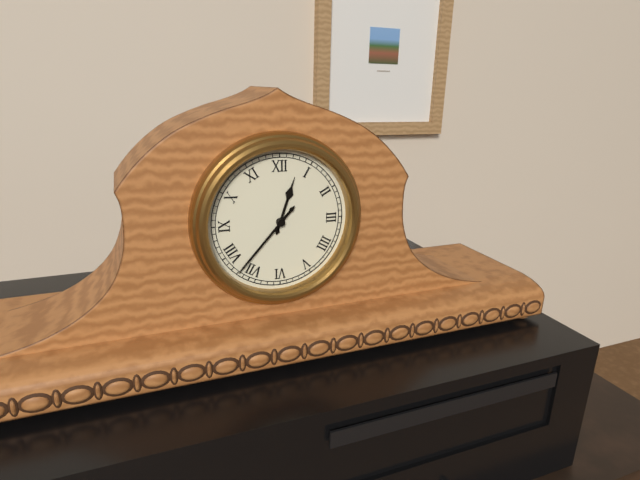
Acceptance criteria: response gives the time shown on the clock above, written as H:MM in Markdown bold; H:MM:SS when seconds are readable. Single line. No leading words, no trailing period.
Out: **12:37**
